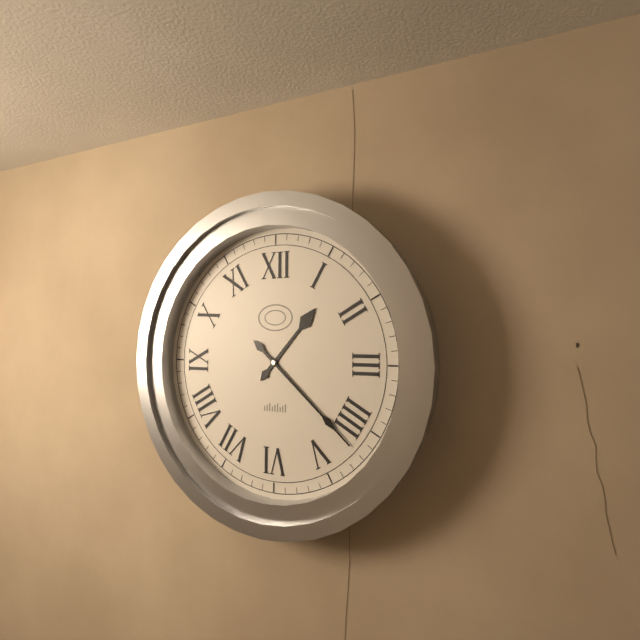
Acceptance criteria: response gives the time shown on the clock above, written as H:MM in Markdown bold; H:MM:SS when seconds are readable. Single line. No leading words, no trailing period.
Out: **1:22**
